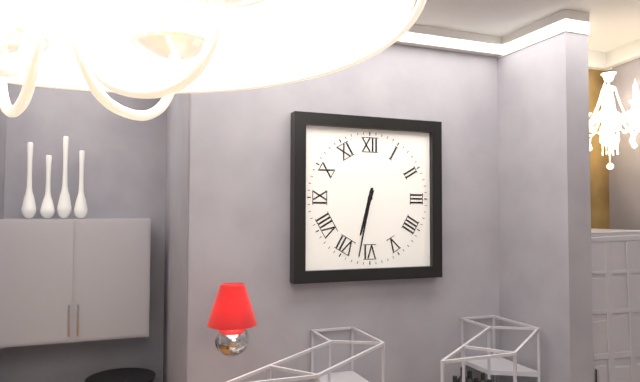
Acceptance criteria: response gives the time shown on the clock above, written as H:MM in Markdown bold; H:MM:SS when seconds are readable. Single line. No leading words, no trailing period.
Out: **6:32**
